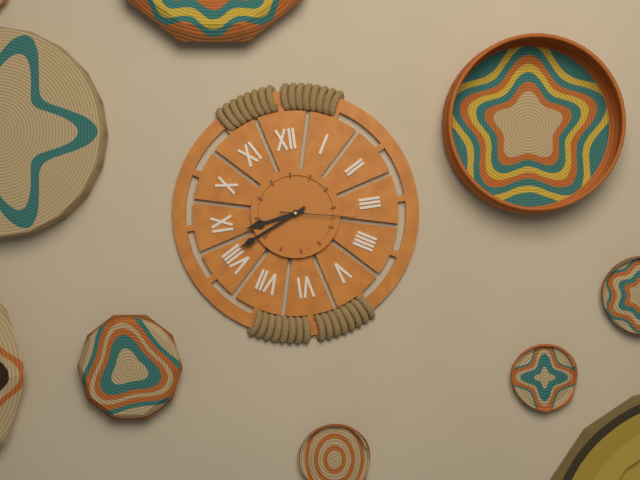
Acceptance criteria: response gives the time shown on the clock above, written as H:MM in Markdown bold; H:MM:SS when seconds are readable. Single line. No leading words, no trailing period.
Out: **8:41:17**
